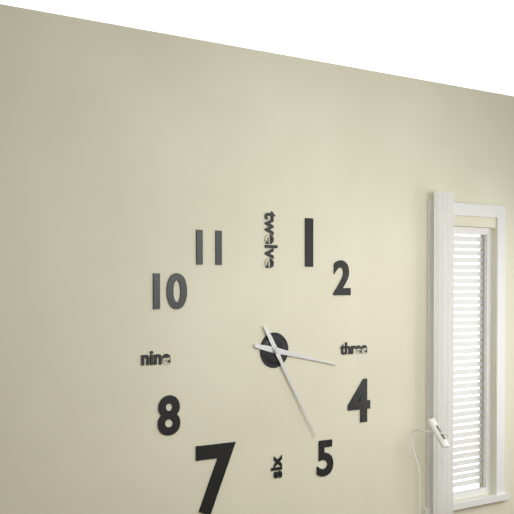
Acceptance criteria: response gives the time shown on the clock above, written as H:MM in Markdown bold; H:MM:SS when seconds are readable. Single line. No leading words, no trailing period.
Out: **3:25**
